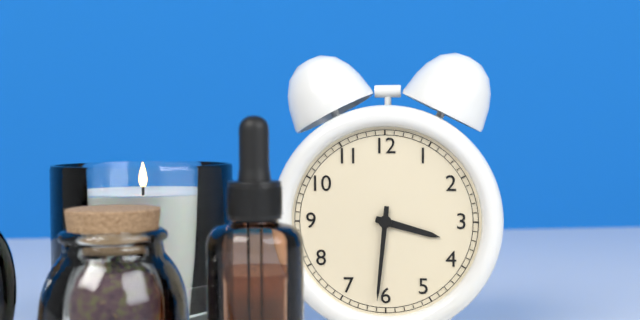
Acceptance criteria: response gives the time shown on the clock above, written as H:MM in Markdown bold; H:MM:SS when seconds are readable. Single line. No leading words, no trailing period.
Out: **3:31**
